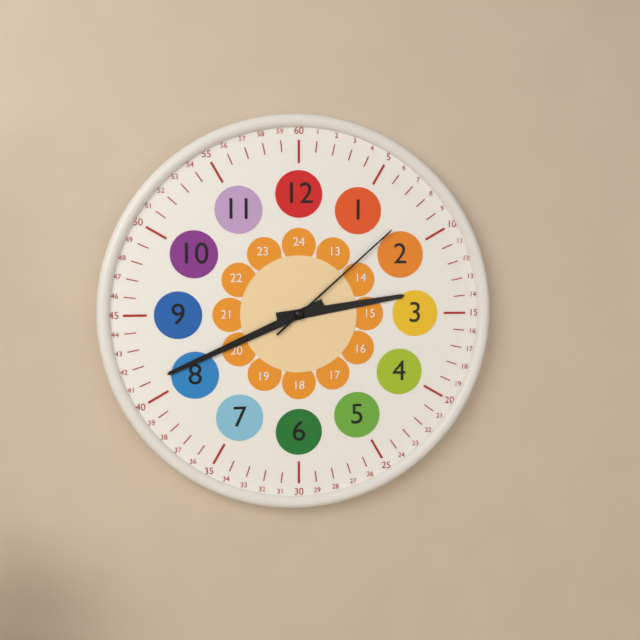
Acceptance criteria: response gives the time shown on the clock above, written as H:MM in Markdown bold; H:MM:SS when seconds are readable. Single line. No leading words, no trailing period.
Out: **2:41:08**
